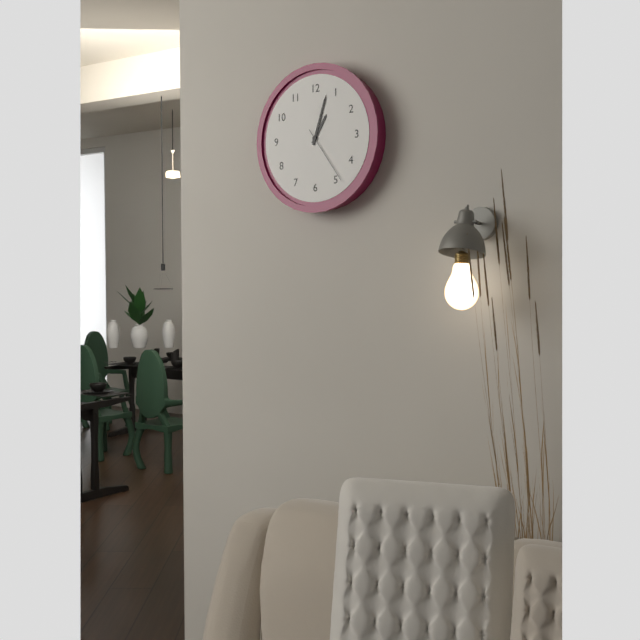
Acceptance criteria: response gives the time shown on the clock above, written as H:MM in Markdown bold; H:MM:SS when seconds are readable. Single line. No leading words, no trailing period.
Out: **1:03:24**
